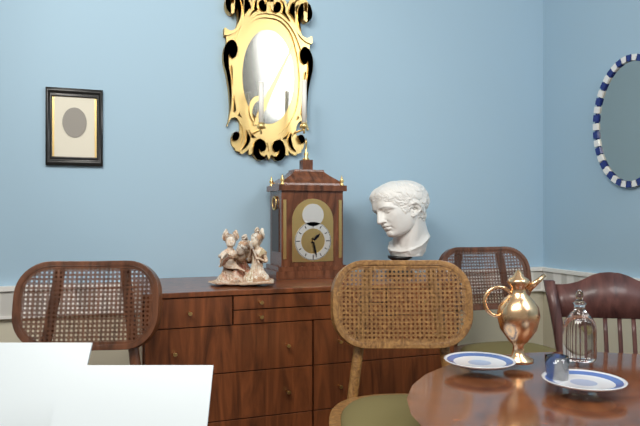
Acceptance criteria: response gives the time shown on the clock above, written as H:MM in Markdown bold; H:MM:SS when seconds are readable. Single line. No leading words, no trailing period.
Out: **1:28**
